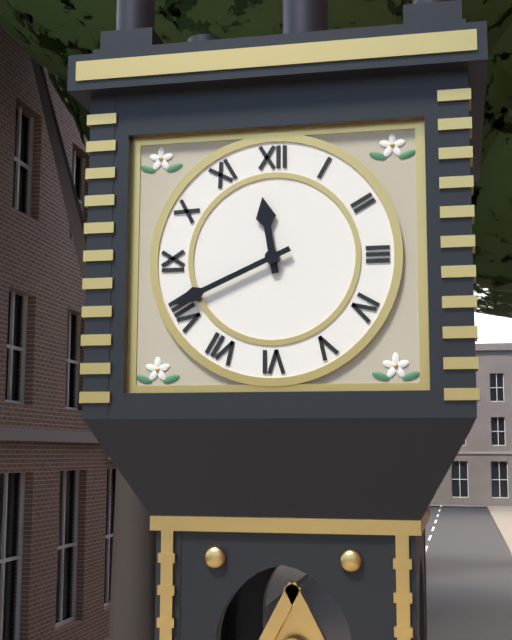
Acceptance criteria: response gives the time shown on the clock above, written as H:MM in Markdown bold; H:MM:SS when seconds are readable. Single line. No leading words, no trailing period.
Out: **11:41**
